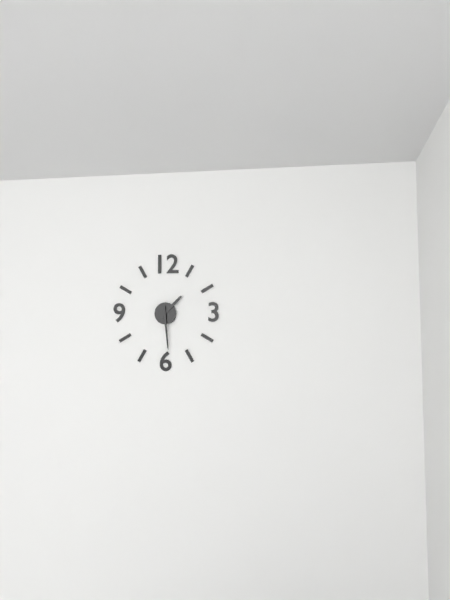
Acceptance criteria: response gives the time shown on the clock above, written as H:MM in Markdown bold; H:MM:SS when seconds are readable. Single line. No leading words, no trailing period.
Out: **1:29**
